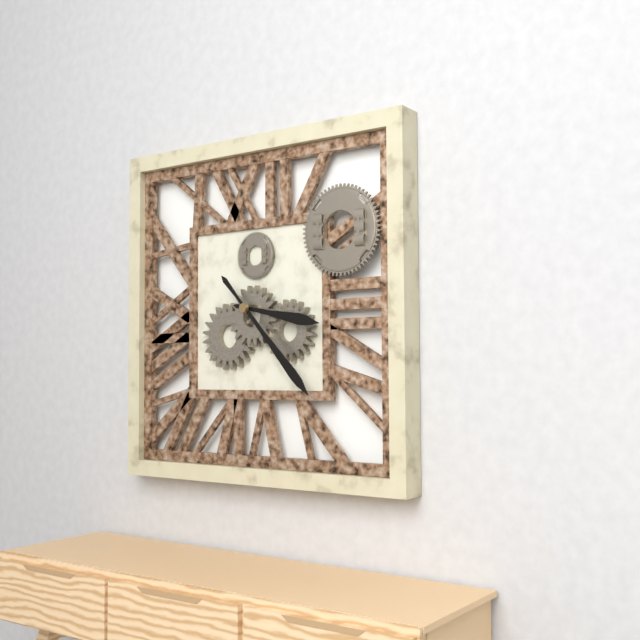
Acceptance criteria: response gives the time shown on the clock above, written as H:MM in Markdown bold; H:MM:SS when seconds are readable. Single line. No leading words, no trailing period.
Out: **3:23**
